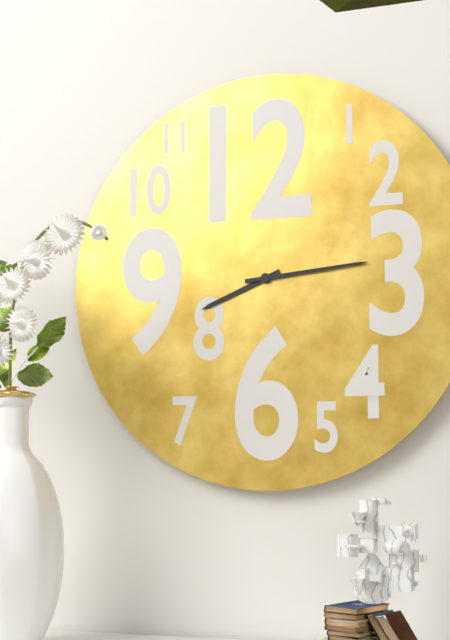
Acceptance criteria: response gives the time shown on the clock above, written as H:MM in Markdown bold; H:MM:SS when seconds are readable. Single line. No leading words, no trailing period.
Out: **8:14**
